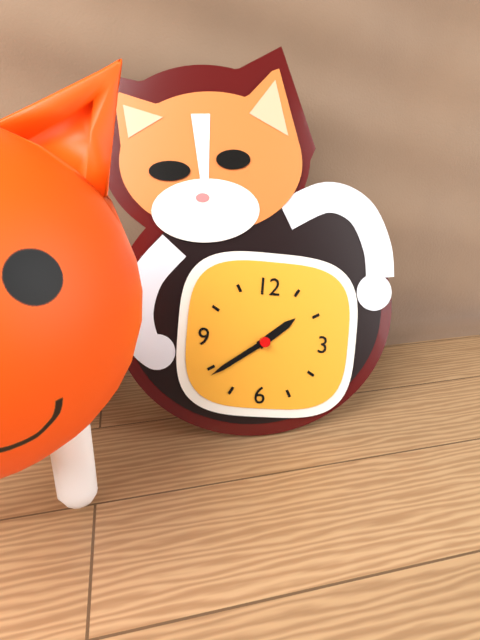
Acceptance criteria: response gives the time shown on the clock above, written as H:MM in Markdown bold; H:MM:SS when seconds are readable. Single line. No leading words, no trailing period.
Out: **1:39**
